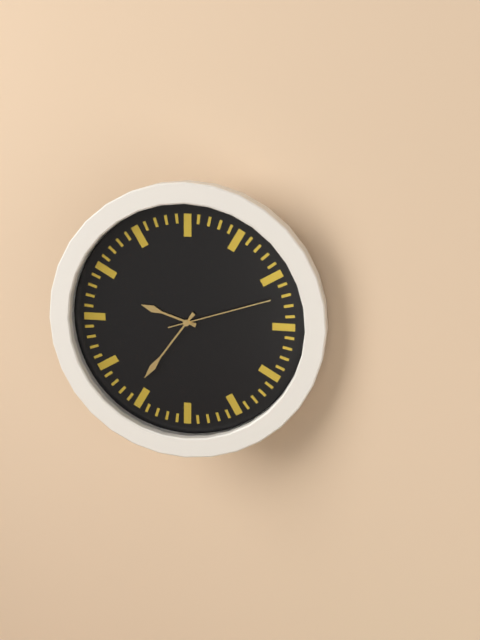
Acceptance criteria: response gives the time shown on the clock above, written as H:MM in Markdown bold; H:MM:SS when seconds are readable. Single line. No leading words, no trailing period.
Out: **9:36:12**
